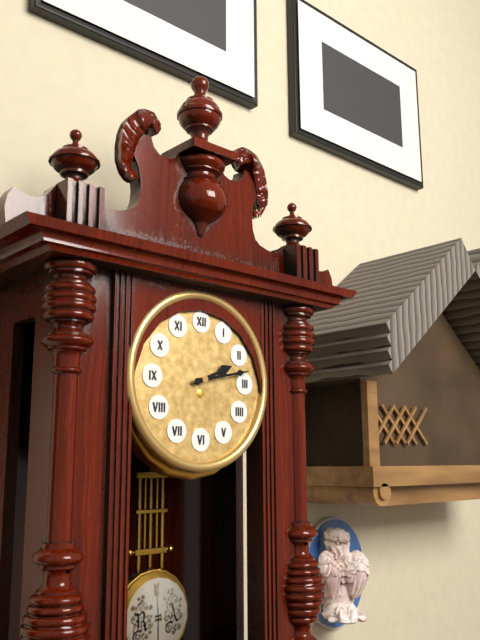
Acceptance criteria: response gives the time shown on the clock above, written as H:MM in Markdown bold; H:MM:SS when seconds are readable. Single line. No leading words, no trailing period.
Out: **2:13**
